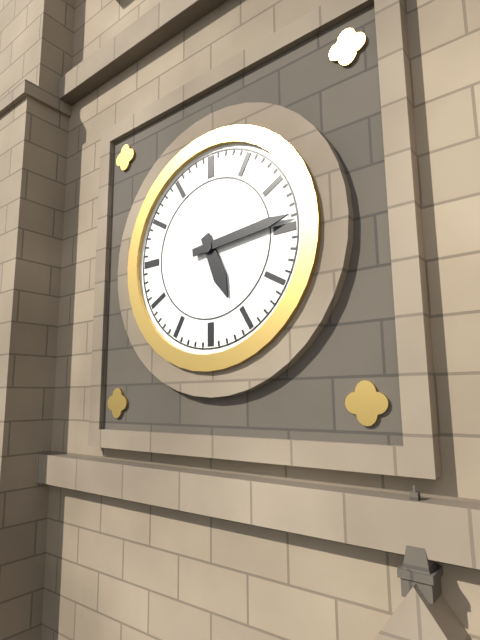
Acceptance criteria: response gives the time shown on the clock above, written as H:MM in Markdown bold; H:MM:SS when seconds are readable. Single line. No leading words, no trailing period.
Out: **5:14**
